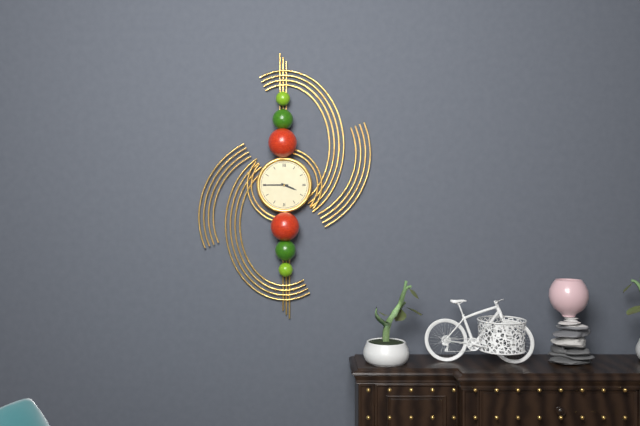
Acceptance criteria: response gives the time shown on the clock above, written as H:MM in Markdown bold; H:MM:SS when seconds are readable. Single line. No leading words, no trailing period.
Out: **3:45**
